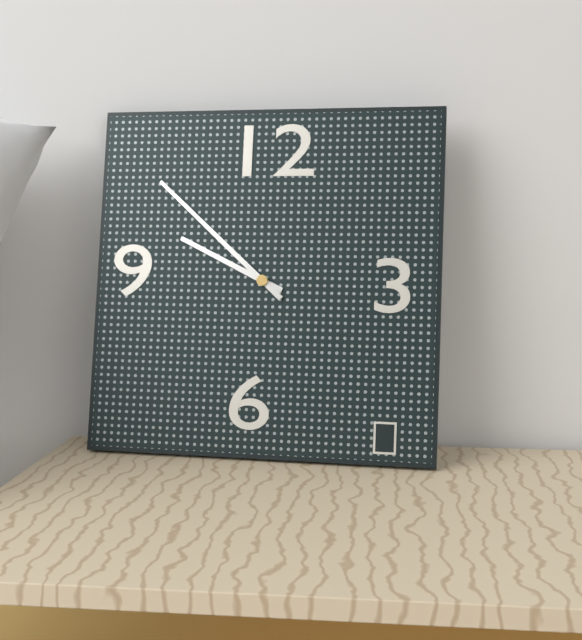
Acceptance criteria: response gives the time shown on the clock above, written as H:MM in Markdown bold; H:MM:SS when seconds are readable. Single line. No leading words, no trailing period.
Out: **9:52**
